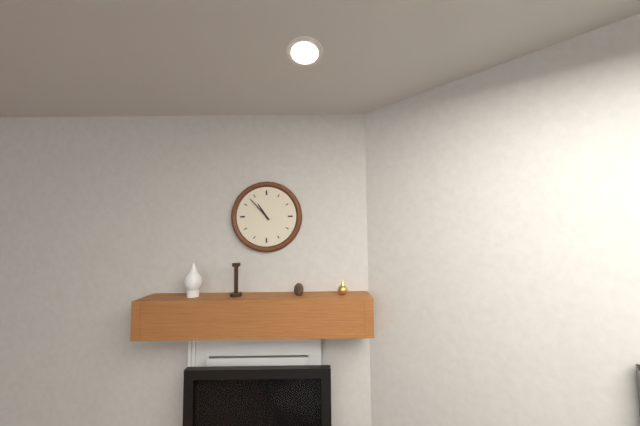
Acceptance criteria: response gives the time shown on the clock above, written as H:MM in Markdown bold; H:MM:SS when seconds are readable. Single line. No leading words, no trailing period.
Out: **10:53**
